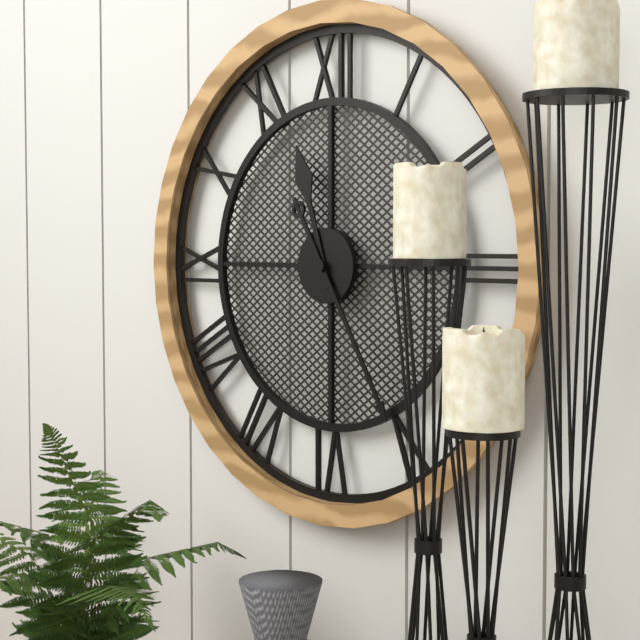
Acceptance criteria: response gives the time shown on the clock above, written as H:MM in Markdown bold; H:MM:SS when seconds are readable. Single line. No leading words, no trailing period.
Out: **11:25**
